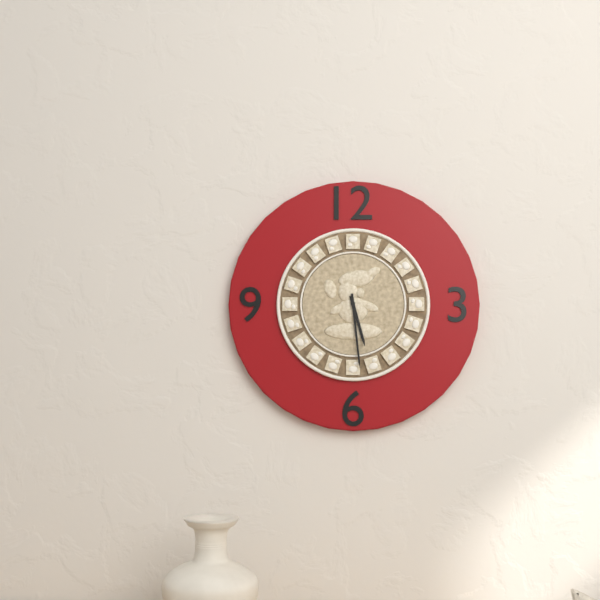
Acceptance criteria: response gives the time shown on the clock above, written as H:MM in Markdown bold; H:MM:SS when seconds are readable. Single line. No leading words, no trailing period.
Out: **5:29**
